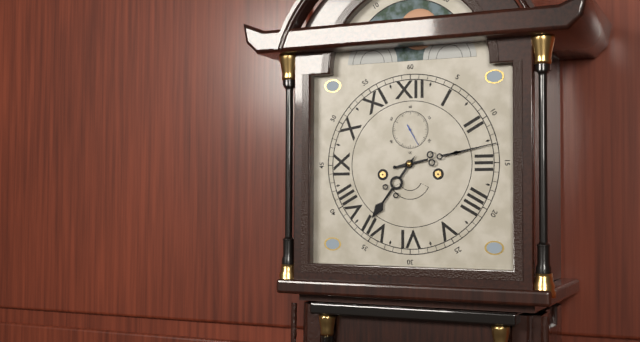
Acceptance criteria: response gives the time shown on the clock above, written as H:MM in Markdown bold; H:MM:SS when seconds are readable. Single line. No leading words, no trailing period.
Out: **7:13**
